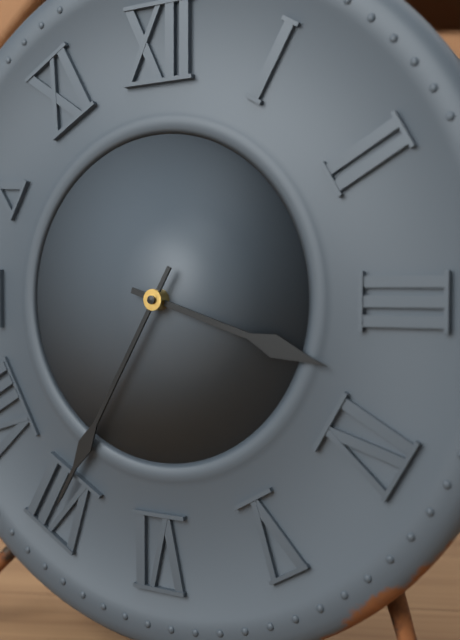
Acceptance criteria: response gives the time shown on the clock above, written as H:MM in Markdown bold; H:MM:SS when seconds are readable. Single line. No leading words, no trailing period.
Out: **3:35**
